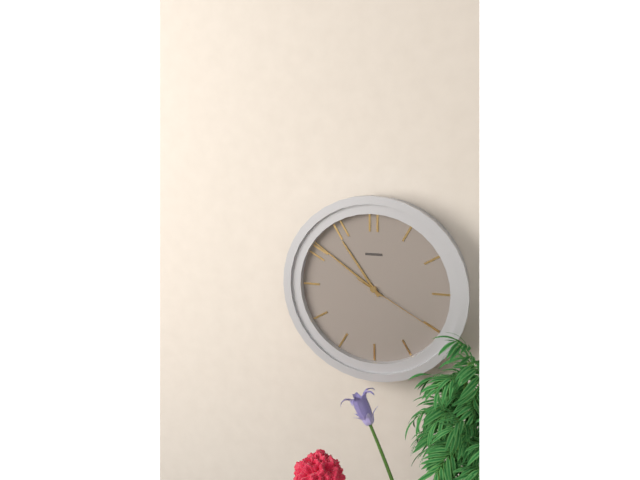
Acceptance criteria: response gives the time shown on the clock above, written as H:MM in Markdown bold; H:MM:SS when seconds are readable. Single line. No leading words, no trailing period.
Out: **10:51:20**
